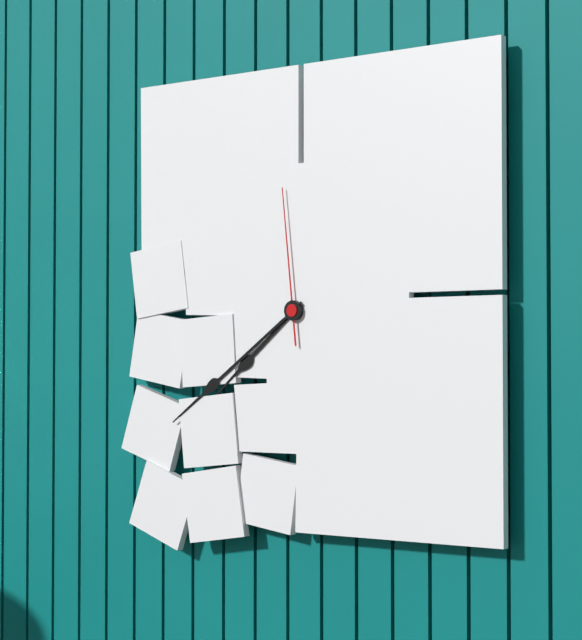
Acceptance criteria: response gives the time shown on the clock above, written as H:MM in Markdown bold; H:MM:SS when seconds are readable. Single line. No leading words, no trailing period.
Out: **7:39:59**
